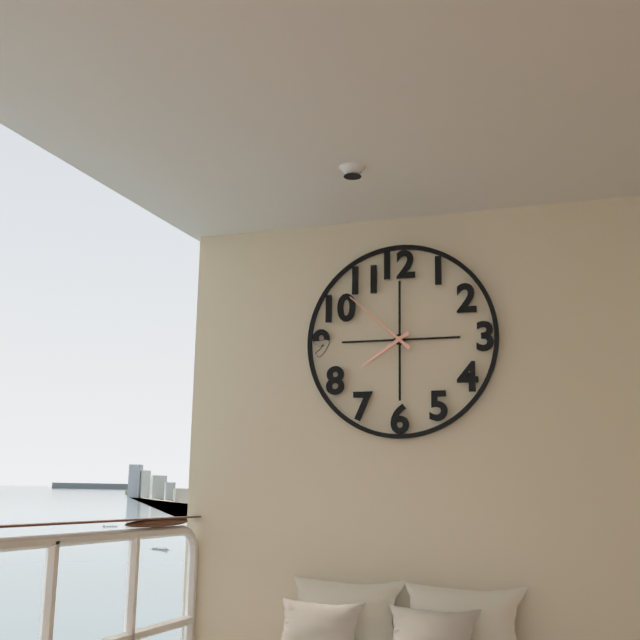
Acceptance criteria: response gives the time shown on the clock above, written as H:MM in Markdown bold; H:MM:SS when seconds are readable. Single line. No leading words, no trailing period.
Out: **7:52**
